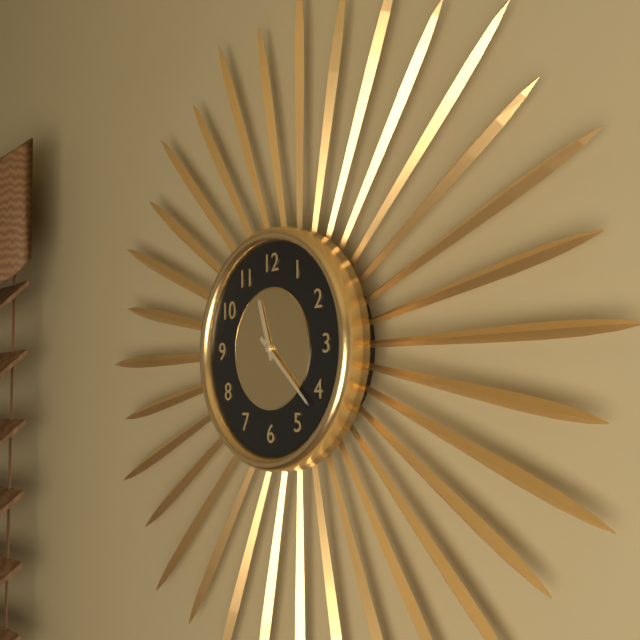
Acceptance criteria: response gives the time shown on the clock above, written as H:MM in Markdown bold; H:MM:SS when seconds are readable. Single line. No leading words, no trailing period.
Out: **11:22**
